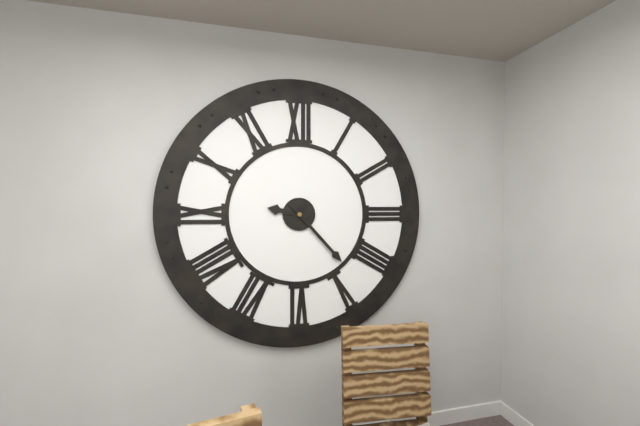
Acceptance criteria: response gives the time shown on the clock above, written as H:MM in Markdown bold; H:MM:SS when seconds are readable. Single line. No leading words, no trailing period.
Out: **9:23**
